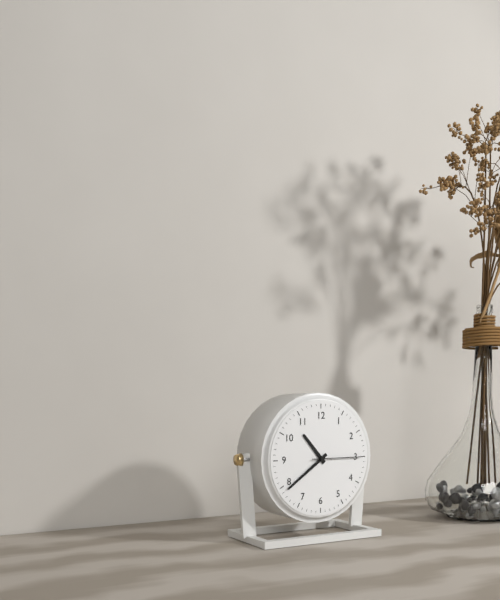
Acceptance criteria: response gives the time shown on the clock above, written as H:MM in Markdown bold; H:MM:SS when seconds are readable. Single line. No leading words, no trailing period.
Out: **10:39:15**
